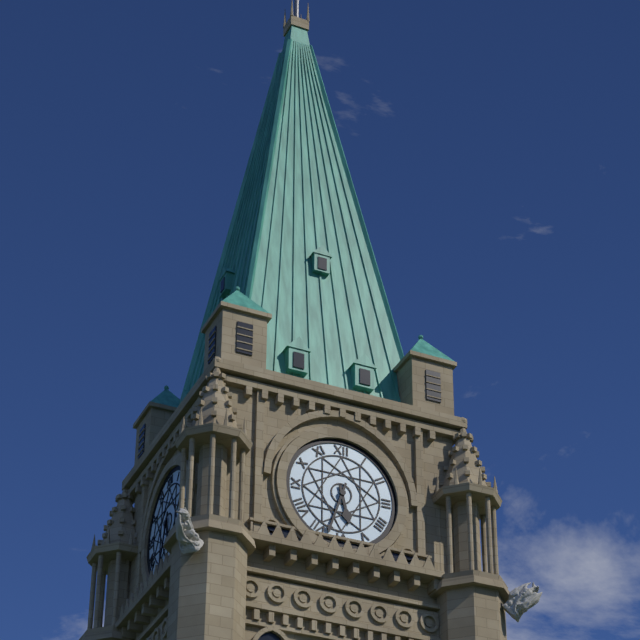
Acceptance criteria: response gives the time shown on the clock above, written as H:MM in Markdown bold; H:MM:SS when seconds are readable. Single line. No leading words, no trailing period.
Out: **5:33**
